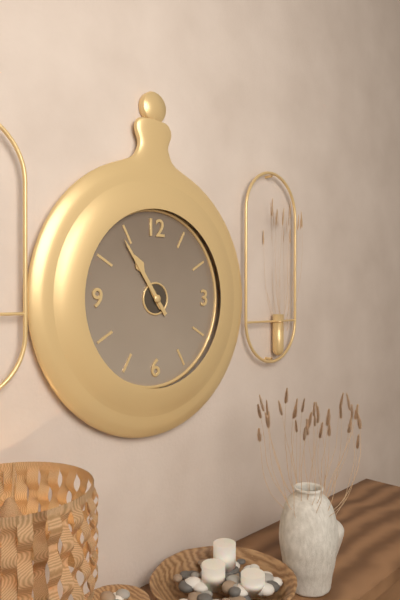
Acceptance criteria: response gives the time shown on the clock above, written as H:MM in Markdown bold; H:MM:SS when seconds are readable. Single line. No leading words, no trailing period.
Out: **10:54**
